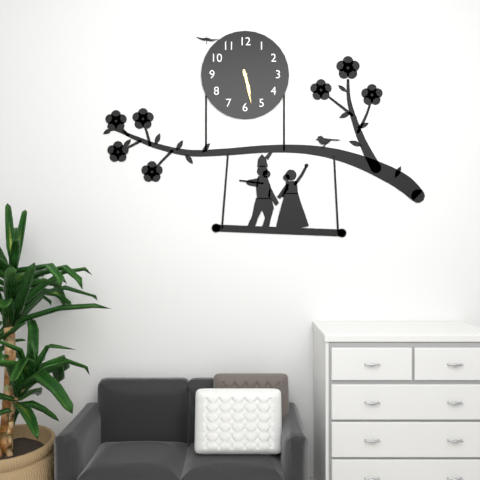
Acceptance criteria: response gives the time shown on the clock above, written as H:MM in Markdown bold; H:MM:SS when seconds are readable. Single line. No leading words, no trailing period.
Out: **5:28**
